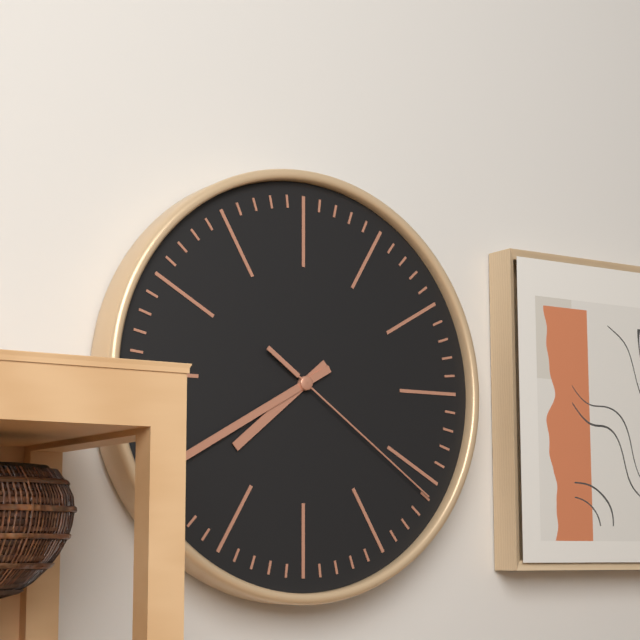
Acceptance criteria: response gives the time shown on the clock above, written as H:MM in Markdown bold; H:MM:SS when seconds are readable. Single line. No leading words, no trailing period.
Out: **7:40:21**
